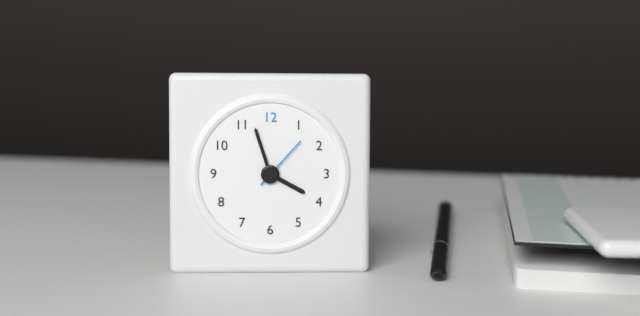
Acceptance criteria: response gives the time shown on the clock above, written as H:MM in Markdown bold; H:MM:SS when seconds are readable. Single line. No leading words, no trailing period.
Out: **3:57:07**
